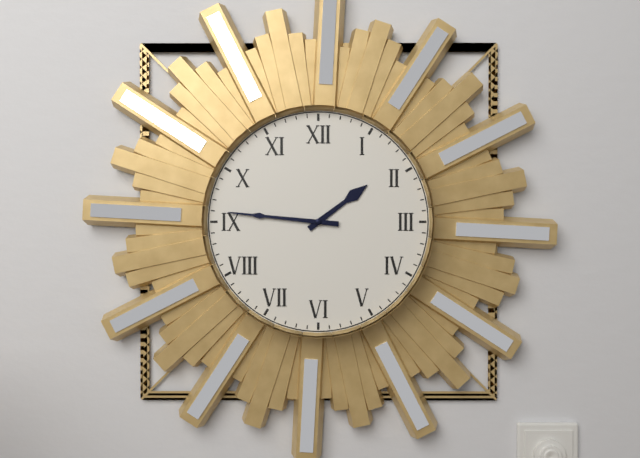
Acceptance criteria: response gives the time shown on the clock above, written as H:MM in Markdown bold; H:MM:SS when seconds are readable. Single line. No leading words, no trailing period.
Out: **1:46**
